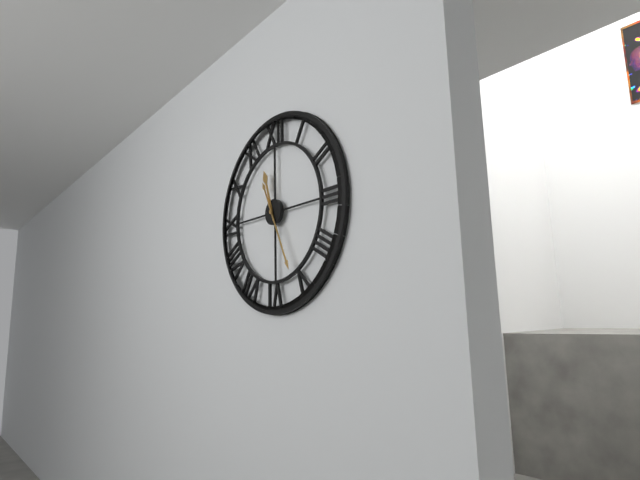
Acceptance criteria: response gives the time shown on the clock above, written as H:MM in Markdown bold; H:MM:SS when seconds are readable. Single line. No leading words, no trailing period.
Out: **11:26**
